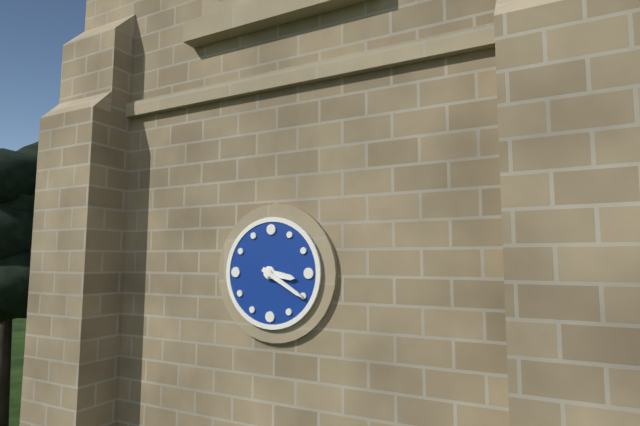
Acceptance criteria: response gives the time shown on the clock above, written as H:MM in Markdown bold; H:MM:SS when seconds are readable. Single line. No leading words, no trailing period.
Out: **3:20**
